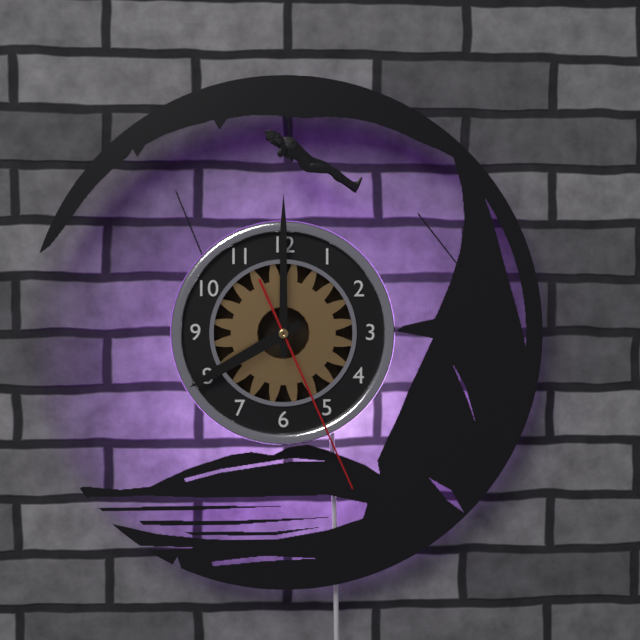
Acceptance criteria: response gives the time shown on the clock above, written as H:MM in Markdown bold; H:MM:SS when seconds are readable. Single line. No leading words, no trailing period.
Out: **8:00:26**
